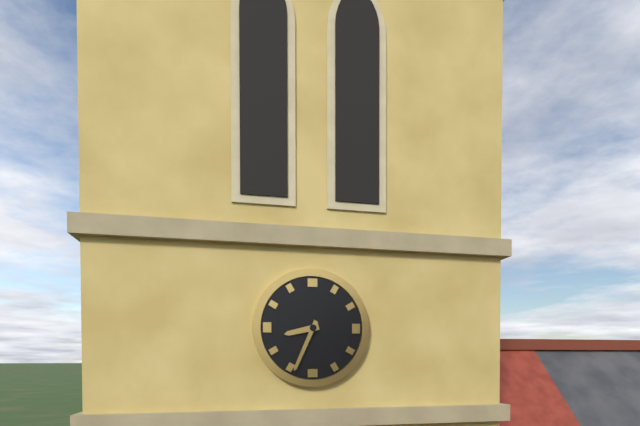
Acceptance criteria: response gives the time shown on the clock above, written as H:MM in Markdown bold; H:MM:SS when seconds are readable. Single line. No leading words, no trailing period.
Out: **8:34**
